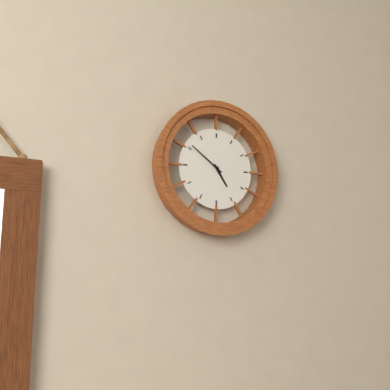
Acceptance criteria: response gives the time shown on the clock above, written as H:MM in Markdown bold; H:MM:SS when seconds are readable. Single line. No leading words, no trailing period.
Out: **4:51**
